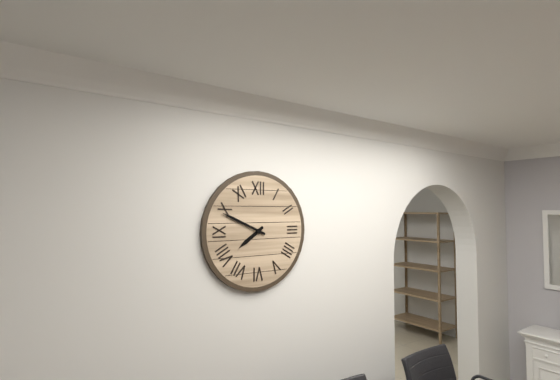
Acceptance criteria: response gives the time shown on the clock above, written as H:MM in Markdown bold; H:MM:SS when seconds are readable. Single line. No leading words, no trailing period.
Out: **7:49**
